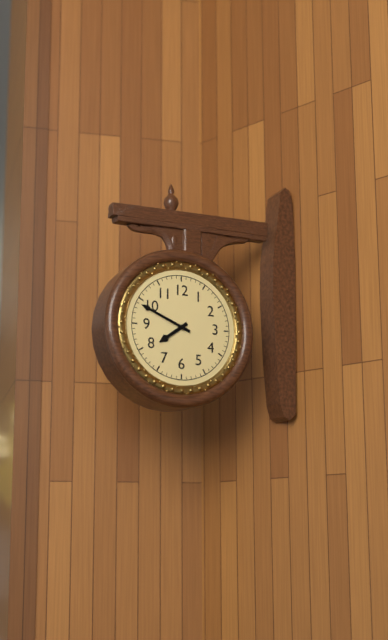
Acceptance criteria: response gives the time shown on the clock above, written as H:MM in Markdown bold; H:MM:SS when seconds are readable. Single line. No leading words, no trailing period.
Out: **7:49**
